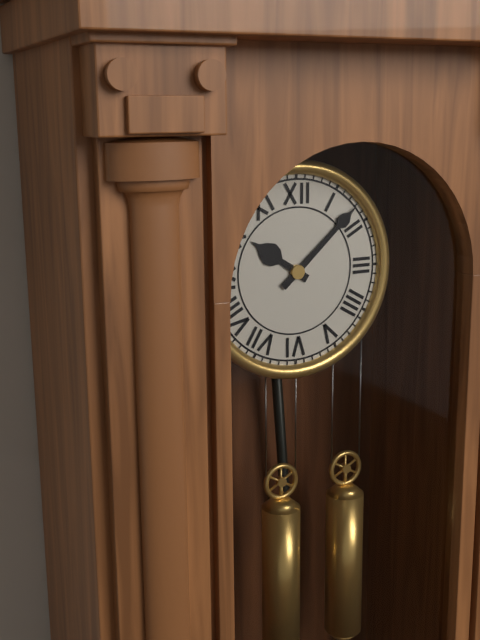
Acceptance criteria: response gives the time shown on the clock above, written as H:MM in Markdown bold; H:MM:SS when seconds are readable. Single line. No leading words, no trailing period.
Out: **10:08**
